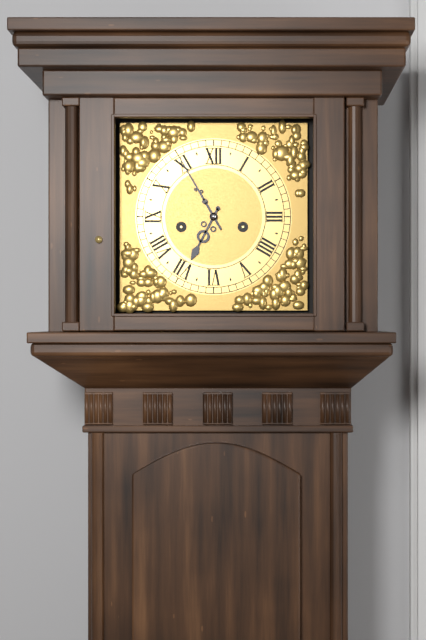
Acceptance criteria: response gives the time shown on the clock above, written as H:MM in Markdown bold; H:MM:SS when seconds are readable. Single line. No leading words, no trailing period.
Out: **6:55**
